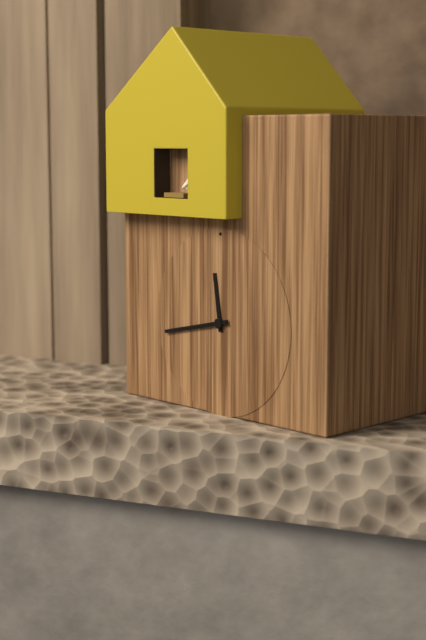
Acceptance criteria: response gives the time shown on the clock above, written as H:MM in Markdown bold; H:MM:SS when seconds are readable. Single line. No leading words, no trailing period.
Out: **11:43**
